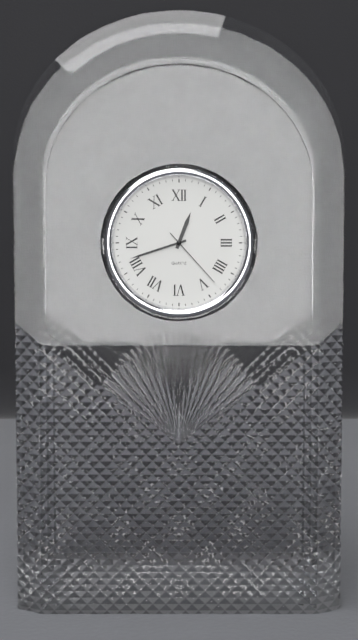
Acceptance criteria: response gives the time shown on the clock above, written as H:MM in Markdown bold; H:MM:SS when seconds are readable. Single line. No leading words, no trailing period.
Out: **12:42:23**
